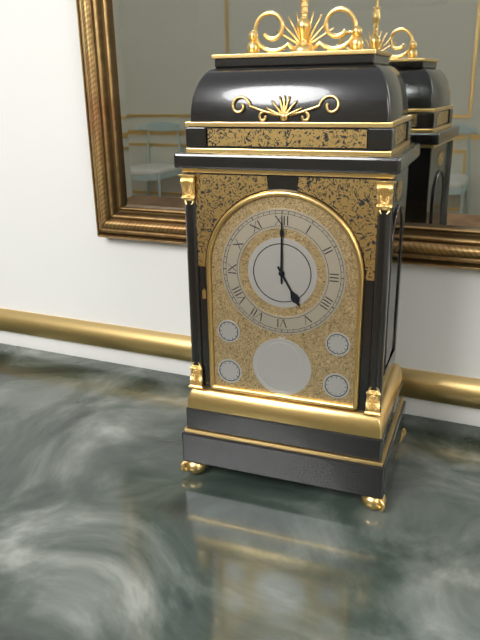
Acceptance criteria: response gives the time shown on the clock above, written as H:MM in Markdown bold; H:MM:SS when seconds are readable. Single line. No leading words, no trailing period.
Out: **5:00**
